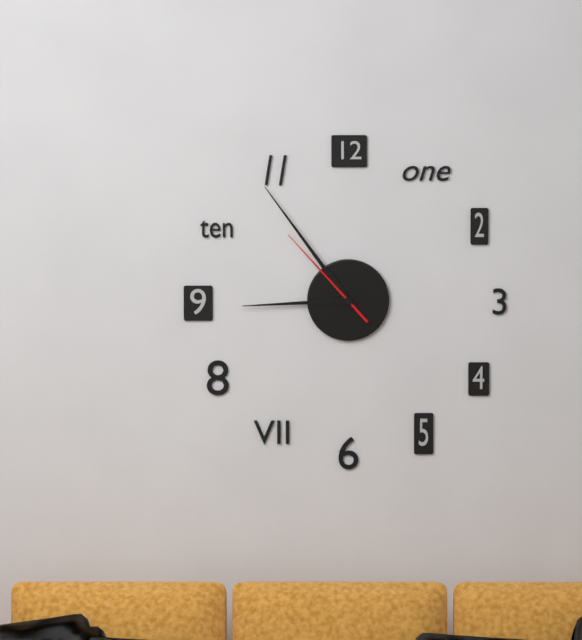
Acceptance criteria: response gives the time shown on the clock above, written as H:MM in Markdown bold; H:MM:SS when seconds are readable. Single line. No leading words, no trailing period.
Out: **8:54:53**
